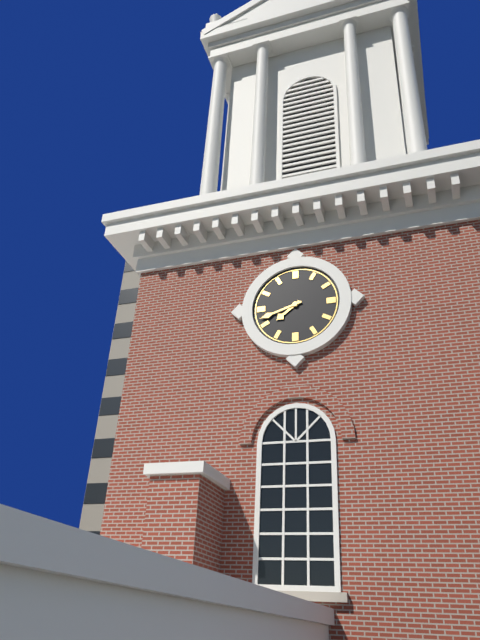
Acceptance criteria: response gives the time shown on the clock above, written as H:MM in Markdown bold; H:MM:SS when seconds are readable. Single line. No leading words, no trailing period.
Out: **7:42**
